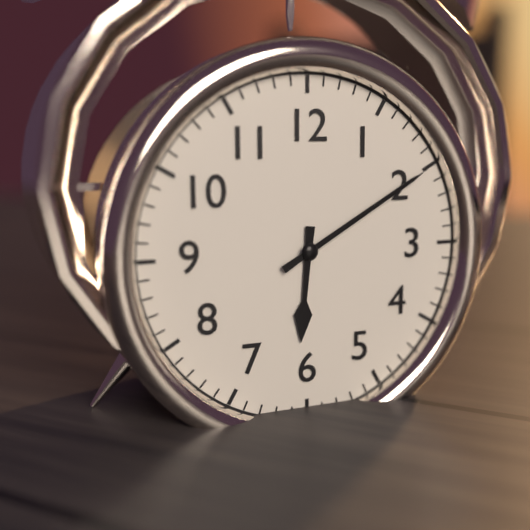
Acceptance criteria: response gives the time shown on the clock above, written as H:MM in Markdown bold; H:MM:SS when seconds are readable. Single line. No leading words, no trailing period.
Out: **6:10**
